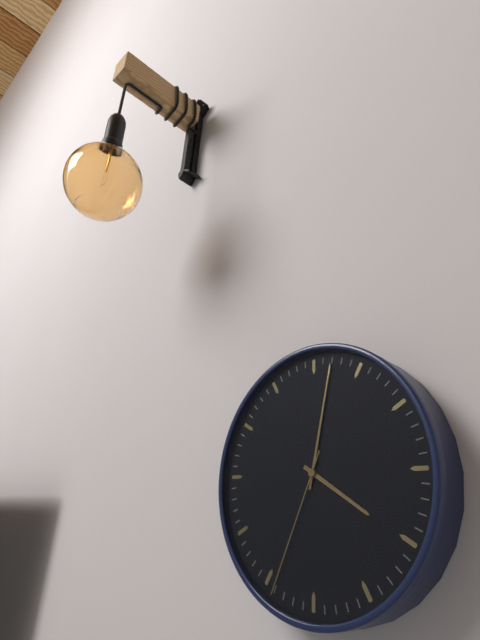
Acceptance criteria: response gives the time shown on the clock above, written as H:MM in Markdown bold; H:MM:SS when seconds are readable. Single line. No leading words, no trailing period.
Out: **4:02:34**
